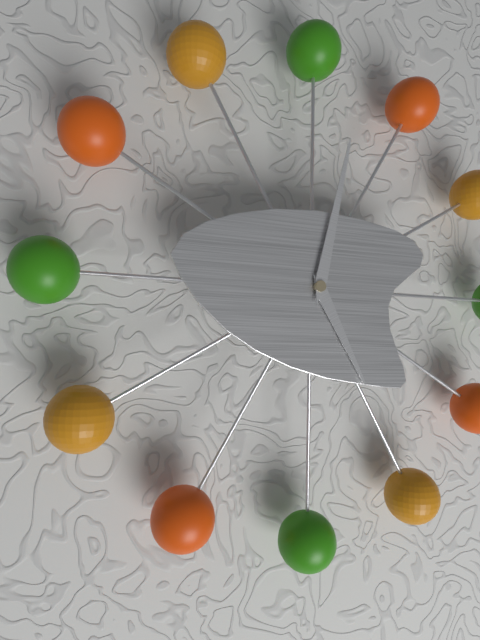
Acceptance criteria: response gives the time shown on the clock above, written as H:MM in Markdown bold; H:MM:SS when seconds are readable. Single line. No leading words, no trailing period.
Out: **5:02**
